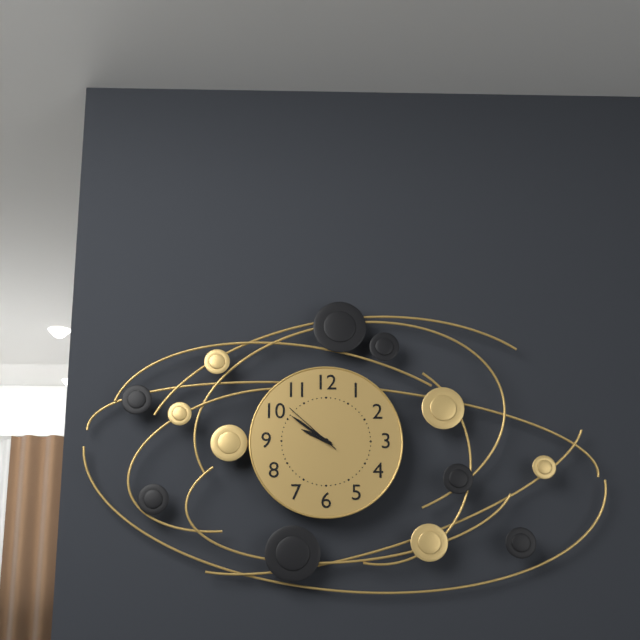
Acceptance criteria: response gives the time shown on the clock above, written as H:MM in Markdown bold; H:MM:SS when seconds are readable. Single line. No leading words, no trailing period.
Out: **9:51:52**
